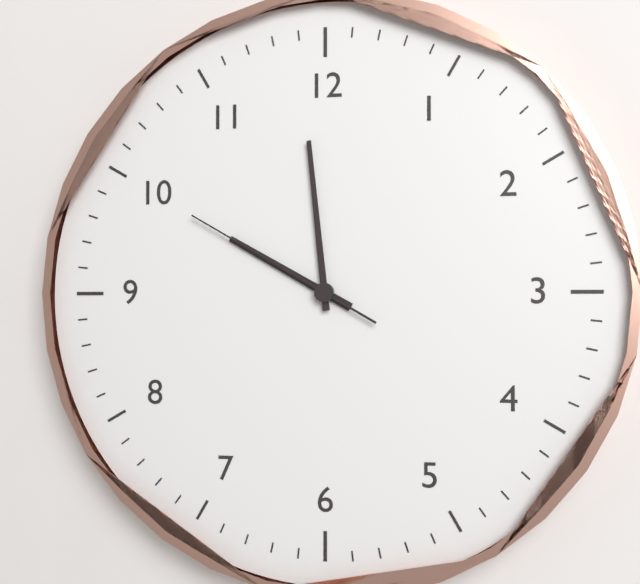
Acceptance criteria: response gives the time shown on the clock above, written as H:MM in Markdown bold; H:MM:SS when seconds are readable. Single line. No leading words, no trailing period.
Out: **9:59:50**
